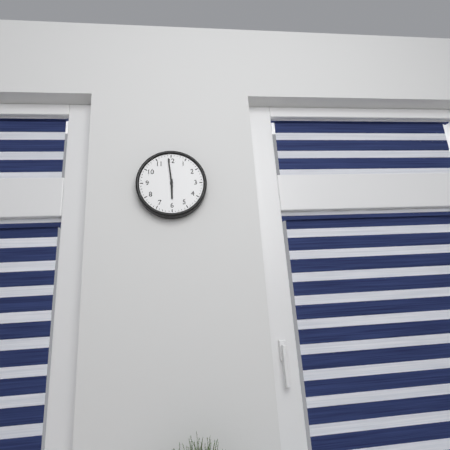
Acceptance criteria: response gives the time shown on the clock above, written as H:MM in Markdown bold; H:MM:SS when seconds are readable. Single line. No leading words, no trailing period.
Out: **5:59**
